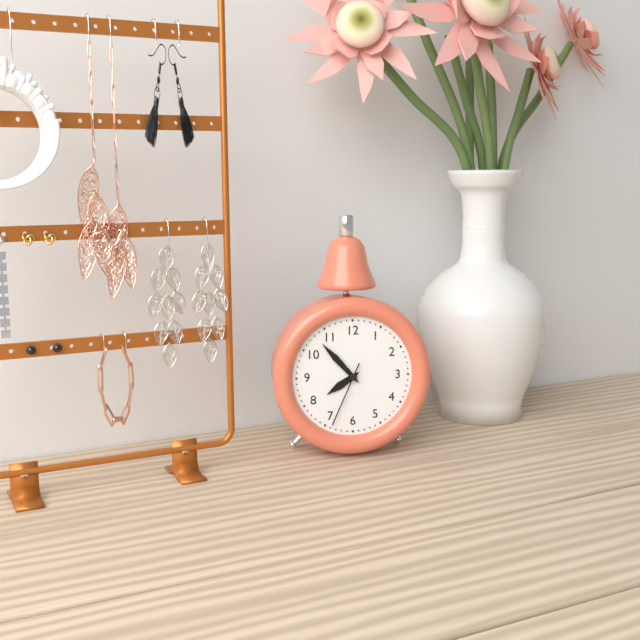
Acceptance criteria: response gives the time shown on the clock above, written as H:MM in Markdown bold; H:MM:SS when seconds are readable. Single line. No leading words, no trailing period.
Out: **7:53:34**
